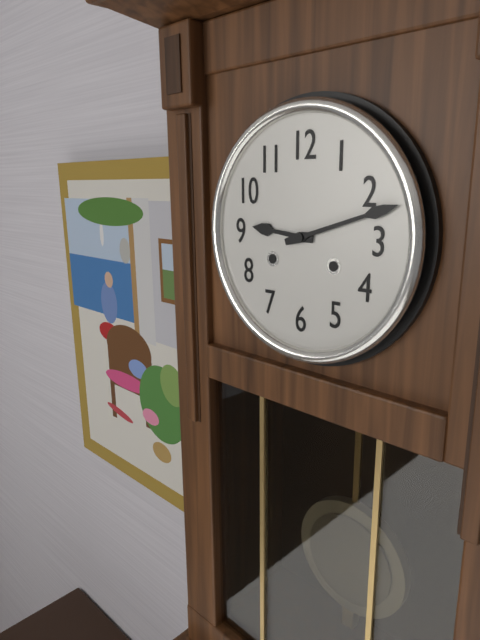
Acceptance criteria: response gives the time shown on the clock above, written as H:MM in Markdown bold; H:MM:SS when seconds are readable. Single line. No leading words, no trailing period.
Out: **9:12**
